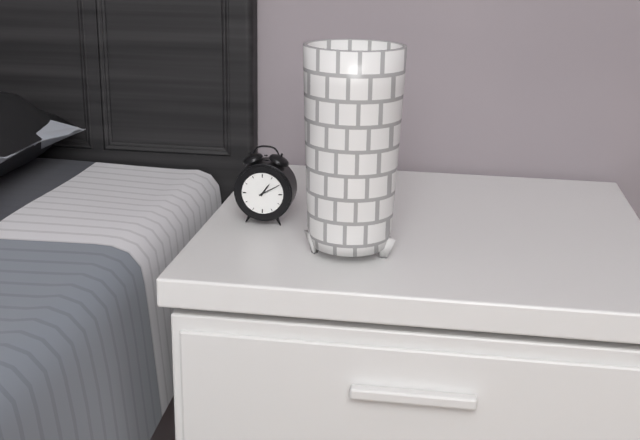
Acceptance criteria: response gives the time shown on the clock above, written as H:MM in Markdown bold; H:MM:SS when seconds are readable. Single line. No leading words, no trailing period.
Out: **1:10**
